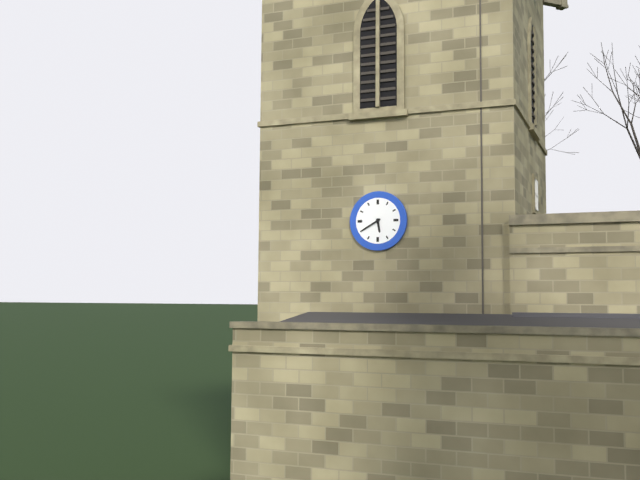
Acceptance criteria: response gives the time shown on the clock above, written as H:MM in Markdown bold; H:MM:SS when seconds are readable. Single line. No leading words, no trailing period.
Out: **5:40**
